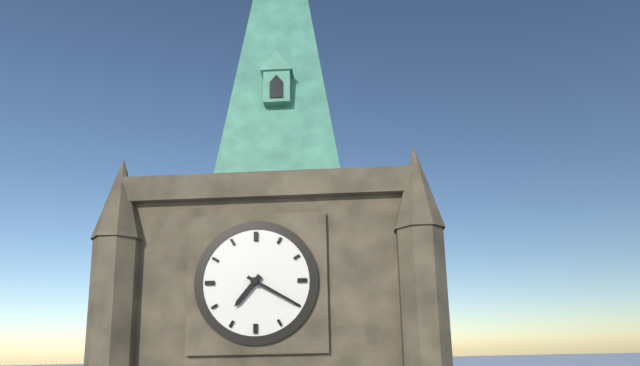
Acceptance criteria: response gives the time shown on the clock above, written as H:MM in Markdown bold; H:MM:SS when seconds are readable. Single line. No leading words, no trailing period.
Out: **7:20**
